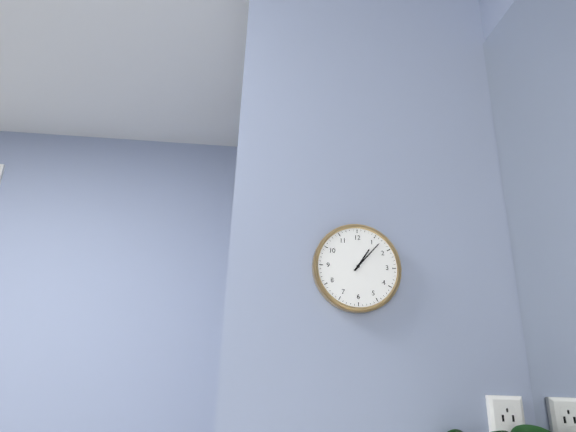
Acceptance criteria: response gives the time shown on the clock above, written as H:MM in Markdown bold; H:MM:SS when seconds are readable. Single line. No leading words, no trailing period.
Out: **1:07**
